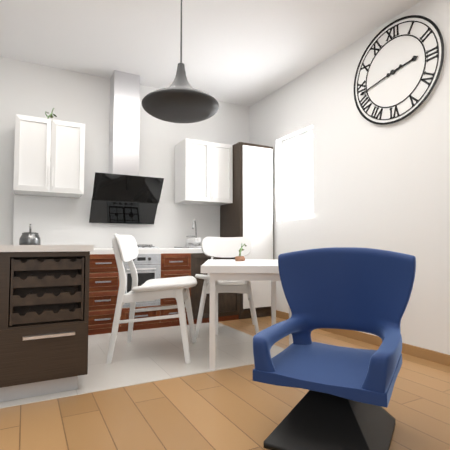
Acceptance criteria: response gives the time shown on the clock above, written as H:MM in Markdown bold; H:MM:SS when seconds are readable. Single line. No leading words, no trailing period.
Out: **2:43**
